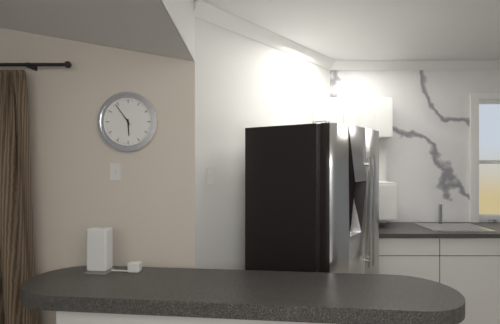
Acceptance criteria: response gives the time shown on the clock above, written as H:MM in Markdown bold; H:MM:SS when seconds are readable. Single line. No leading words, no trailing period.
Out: **5:54**
